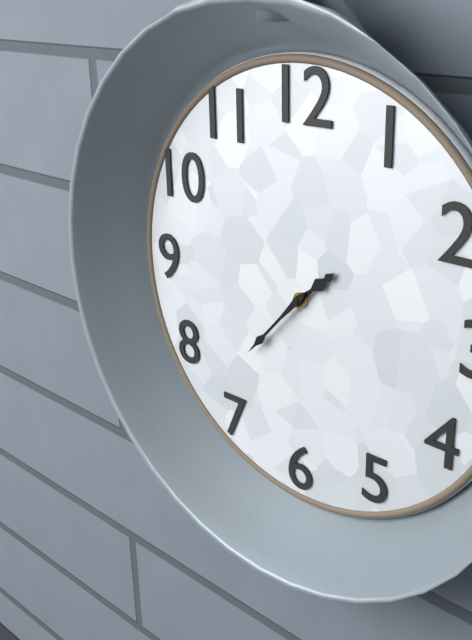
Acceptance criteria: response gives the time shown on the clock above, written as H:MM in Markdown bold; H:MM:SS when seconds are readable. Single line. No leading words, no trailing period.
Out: **1:37**
